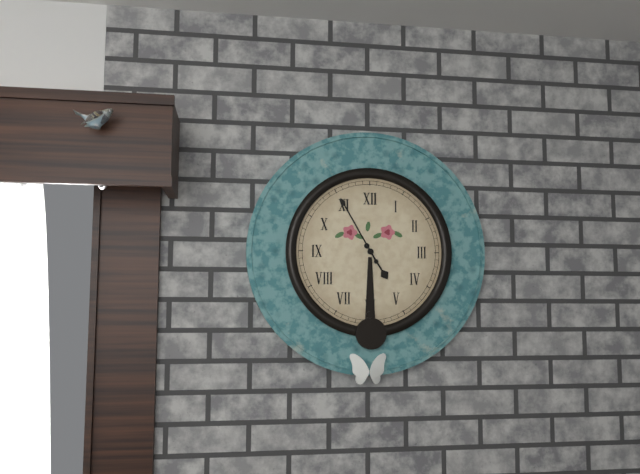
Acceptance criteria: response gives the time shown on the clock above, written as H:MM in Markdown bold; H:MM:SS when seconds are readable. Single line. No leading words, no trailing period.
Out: **4:55**
